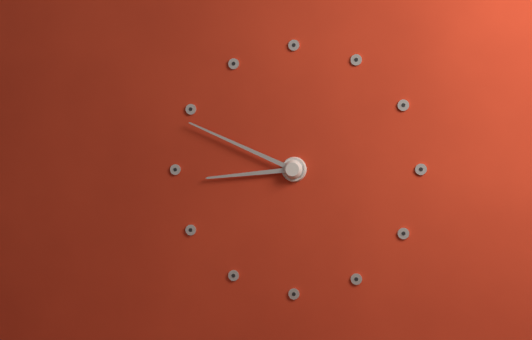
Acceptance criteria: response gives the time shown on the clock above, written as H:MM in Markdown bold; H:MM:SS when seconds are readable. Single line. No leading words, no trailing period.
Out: **8:49**
